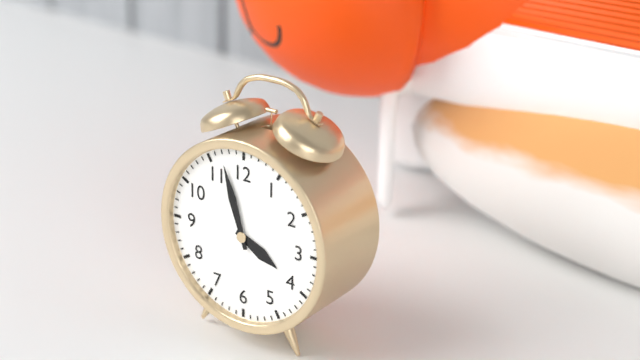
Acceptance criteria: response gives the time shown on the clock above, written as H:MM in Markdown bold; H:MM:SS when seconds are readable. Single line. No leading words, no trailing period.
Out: **3:57**
